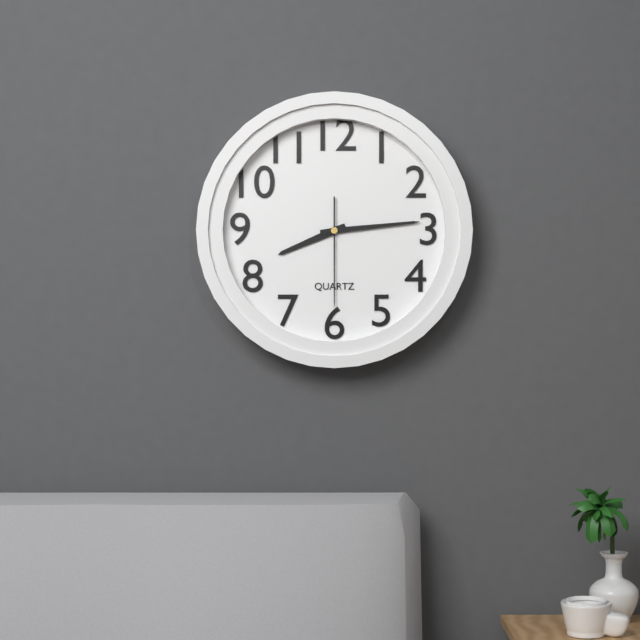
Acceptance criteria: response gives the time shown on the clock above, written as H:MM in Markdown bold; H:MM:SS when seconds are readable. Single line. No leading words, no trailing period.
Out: **8:14:30**
